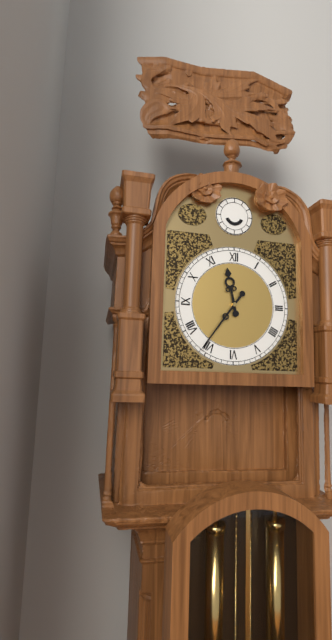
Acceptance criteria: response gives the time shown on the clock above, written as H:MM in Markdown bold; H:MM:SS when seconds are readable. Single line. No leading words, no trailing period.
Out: **11:36**
